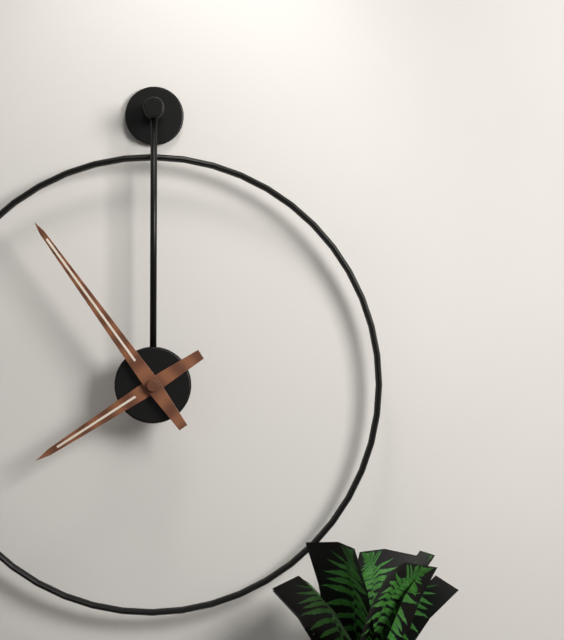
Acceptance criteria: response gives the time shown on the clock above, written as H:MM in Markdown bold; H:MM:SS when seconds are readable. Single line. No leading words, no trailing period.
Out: **7:54**
